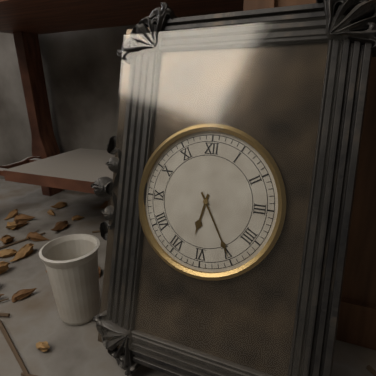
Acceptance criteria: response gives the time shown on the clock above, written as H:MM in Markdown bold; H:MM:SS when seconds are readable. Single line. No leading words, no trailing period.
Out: **6:25**
